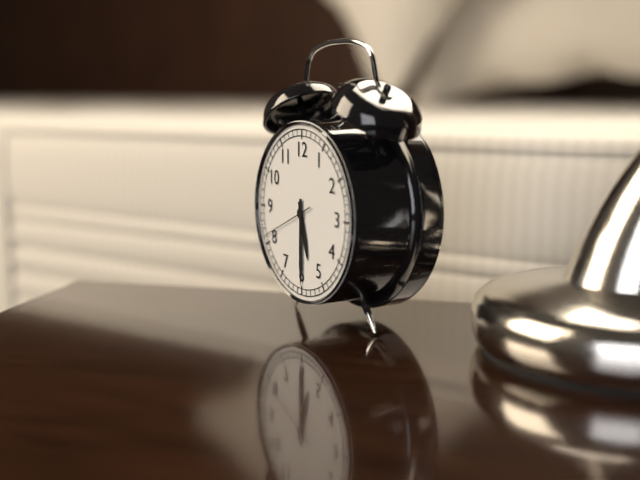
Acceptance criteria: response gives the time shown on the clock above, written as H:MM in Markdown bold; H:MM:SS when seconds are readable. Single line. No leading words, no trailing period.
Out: **5:30**
